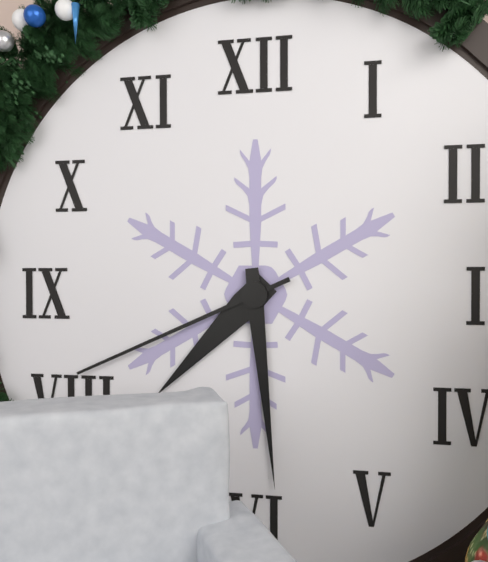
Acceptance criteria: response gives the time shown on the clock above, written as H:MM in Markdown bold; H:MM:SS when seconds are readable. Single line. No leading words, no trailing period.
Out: **7:29:41**
